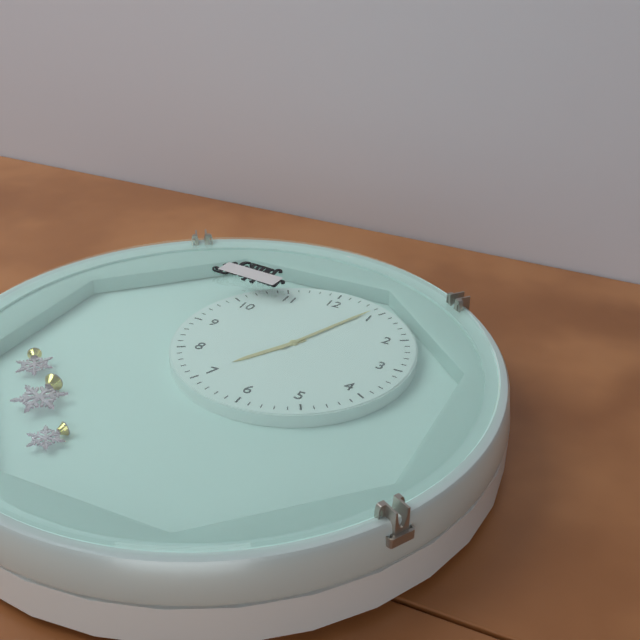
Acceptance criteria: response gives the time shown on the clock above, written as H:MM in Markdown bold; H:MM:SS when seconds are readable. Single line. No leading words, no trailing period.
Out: **7:04**
